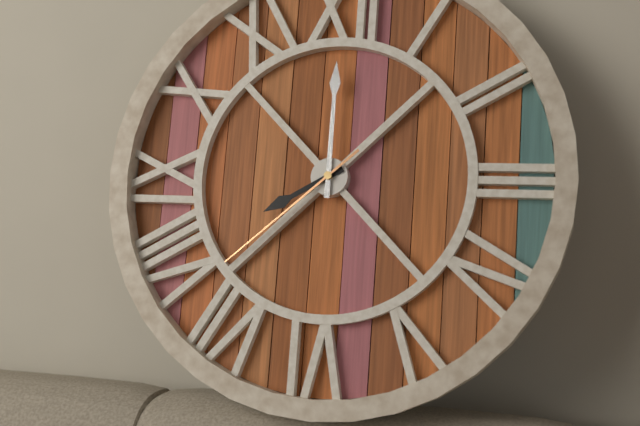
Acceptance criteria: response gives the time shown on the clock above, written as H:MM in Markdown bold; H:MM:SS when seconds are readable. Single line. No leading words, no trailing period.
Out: **8:00:38**
